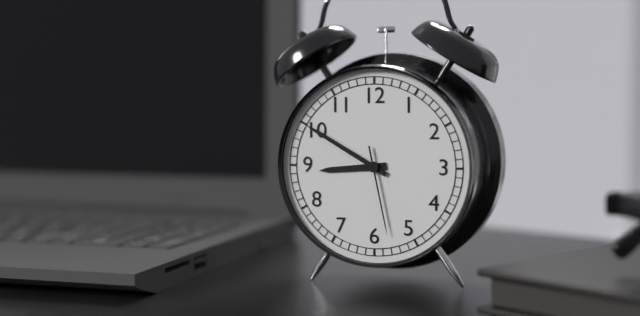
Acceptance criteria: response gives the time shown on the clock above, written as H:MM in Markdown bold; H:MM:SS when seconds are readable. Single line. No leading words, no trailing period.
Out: **8:50:28**
